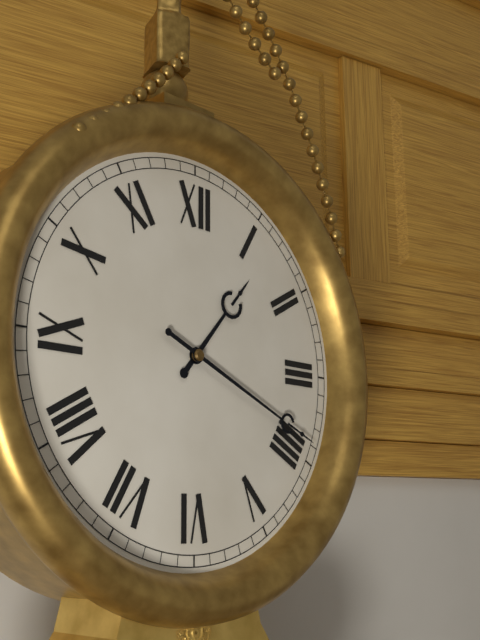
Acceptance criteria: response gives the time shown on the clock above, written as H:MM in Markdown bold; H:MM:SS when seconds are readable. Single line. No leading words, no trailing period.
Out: **1:19**
